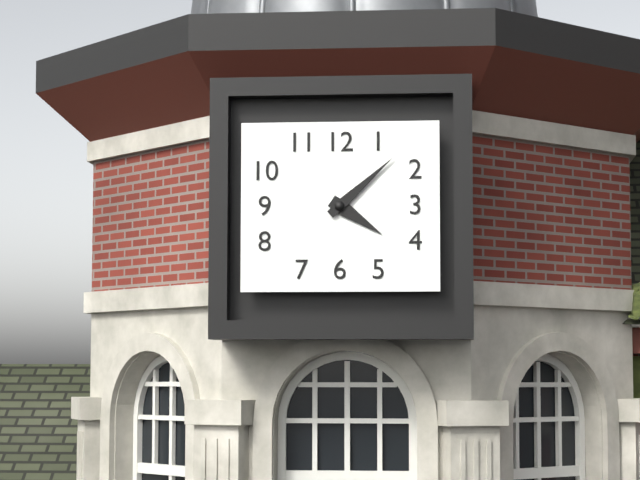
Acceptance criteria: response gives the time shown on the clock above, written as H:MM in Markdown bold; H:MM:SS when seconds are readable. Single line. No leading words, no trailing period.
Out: **4:08**
